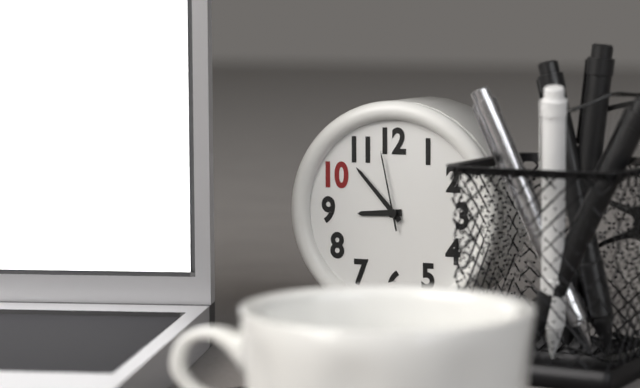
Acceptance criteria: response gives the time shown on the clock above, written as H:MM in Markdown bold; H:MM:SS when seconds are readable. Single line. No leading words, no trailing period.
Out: **8:53:58**
